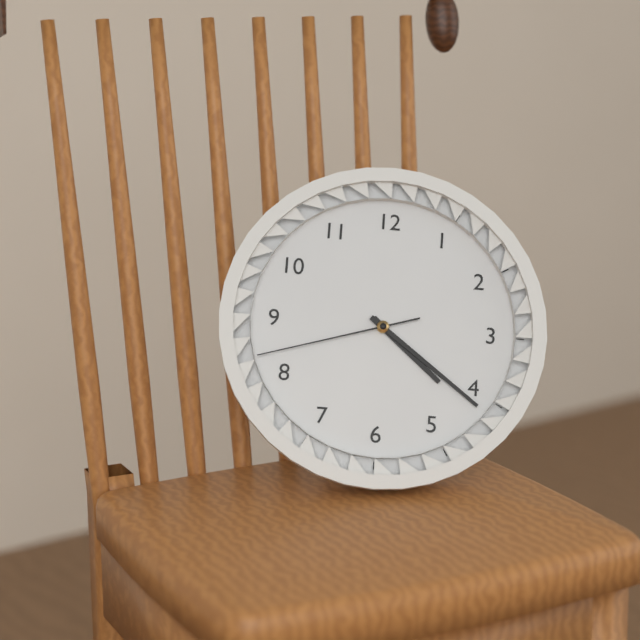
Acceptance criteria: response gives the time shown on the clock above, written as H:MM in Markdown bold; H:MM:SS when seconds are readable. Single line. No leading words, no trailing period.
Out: **4:21:42**
